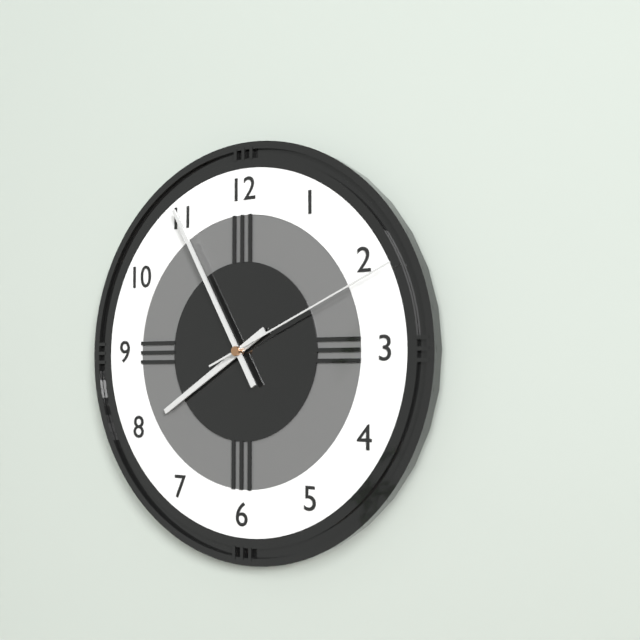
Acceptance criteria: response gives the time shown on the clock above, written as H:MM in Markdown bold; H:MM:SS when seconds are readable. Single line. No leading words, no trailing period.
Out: **7:55:11**
